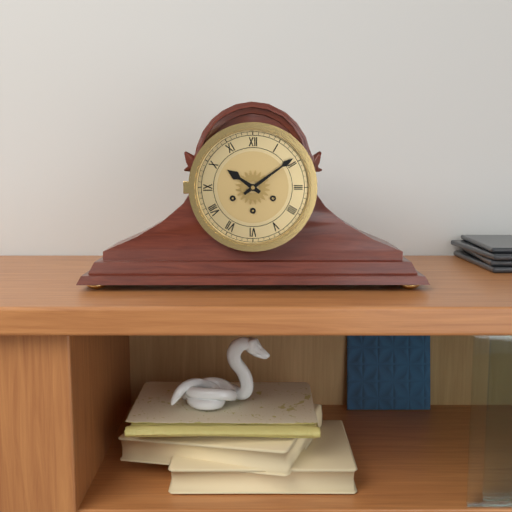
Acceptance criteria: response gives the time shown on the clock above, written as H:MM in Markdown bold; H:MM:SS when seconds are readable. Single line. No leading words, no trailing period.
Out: **10:09**
